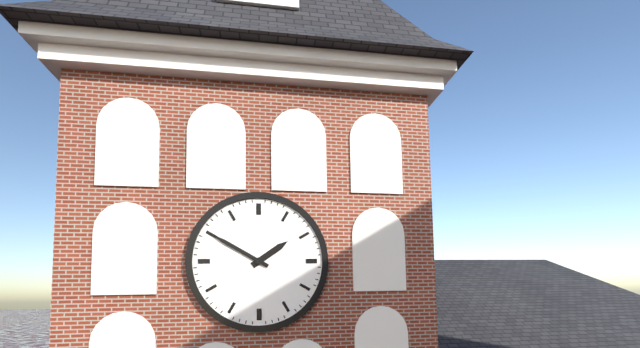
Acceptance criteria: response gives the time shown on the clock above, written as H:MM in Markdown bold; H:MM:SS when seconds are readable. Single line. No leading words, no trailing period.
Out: **1:50**
